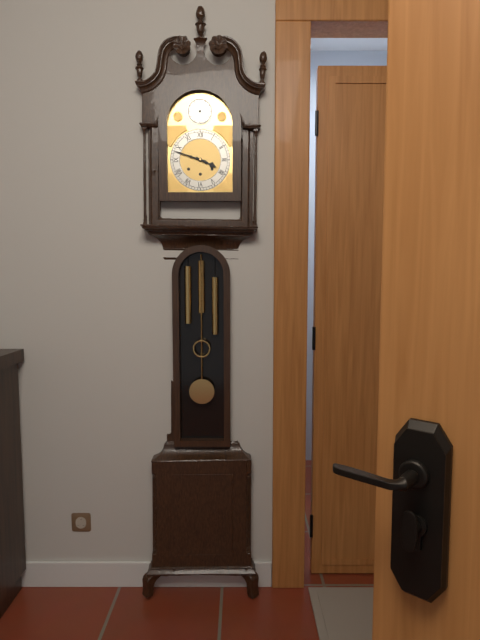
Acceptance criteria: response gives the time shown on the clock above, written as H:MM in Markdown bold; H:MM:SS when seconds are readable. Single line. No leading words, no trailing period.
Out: **3:48**
